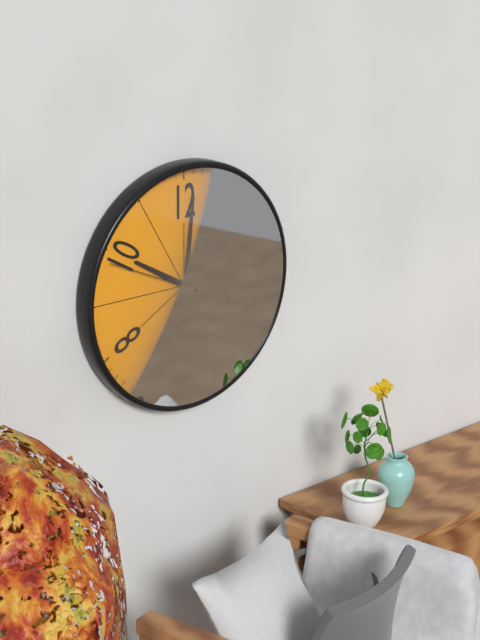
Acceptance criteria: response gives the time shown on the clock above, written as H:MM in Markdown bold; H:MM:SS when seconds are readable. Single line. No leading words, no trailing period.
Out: **10:01:49**
